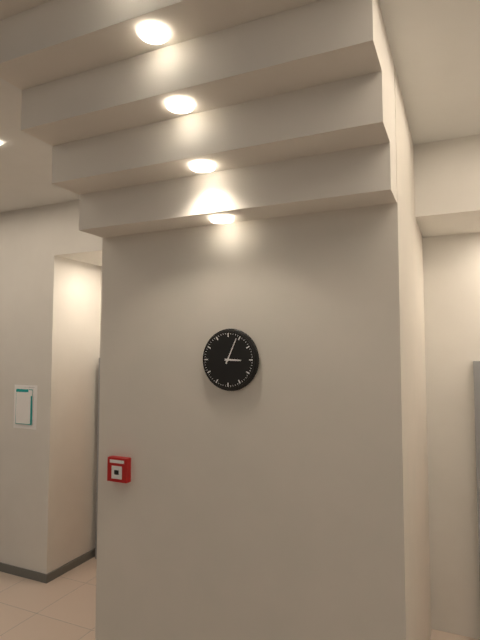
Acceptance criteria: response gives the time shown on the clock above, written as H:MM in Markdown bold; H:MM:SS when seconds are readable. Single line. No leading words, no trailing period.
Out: **3:04**
